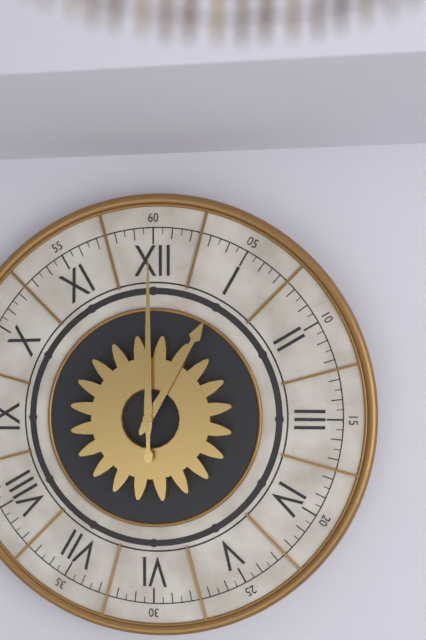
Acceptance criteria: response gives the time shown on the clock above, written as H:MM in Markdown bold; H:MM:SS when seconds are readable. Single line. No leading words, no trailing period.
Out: **1:00**
